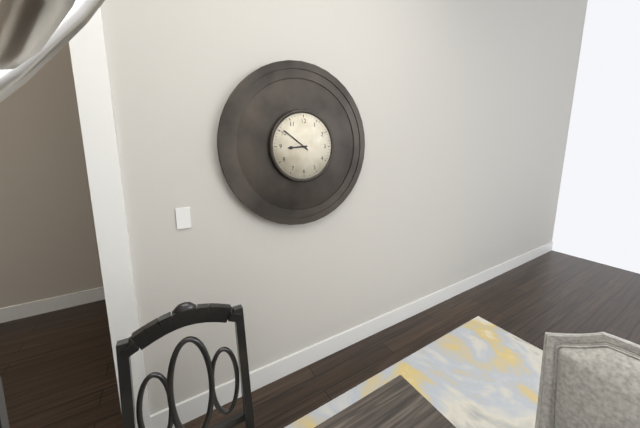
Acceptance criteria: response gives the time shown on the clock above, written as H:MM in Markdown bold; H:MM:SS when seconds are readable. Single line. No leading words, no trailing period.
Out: **8:51**
